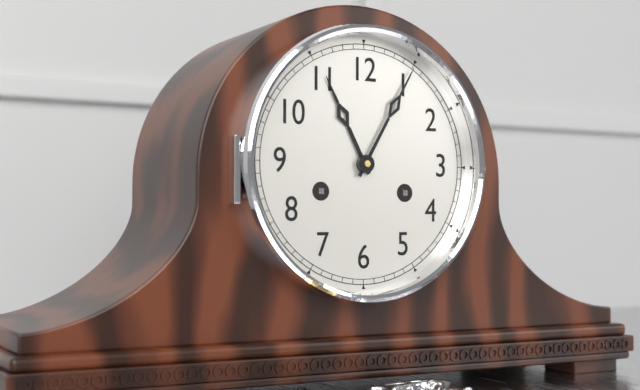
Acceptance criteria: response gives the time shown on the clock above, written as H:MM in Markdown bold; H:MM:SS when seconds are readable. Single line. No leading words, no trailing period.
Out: **11:05**
